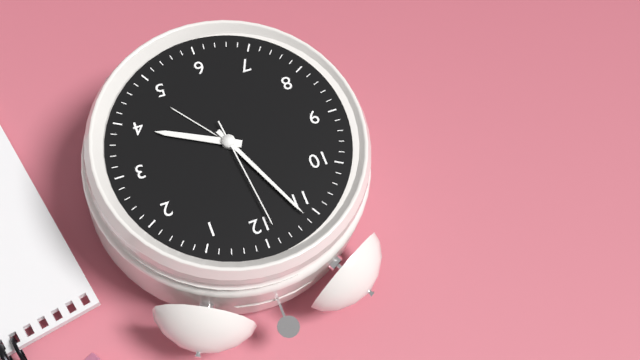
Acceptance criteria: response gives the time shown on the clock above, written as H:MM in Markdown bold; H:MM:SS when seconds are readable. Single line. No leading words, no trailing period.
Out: **3:56:59**
